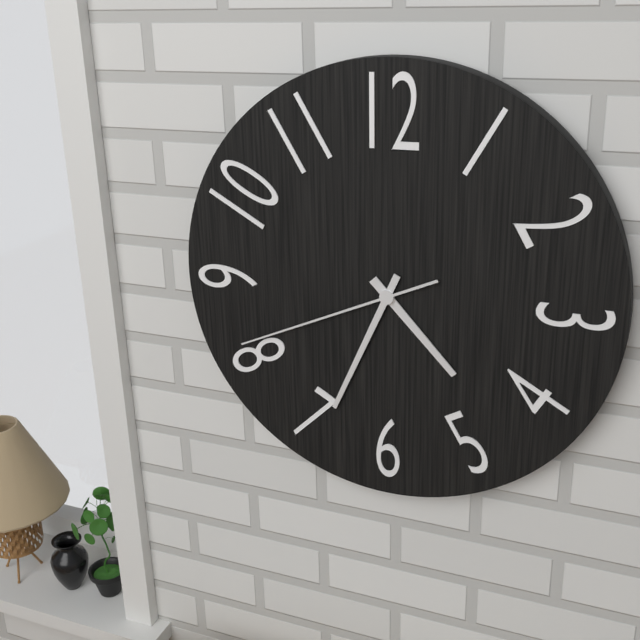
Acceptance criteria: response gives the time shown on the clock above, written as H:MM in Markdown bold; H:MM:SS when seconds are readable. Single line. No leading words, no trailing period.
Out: **4:34:41**
